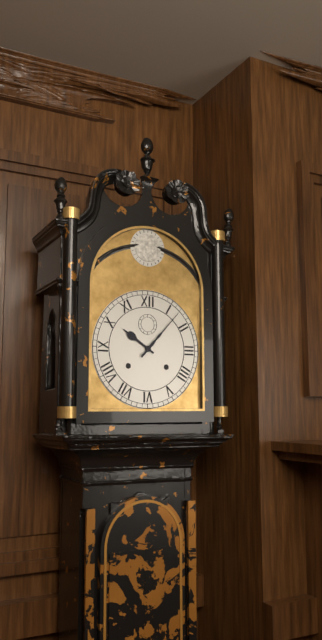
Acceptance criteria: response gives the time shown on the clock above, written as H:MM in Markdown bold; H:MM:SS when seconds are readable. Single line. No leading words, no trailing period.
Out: **10:07**
